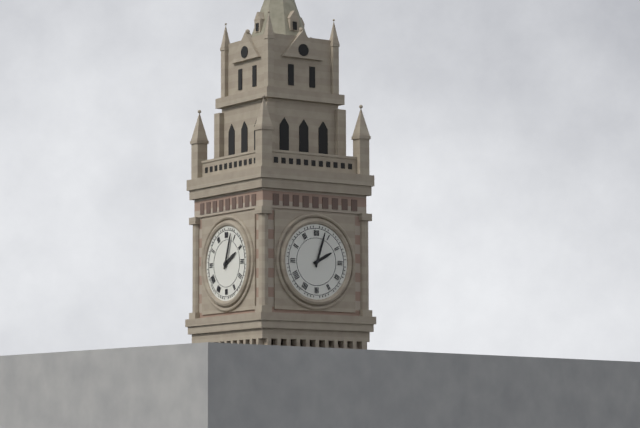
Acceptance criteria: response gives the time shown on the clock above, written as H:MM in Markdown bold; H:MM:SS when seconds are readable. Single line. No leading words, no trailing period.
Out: **2:03**
